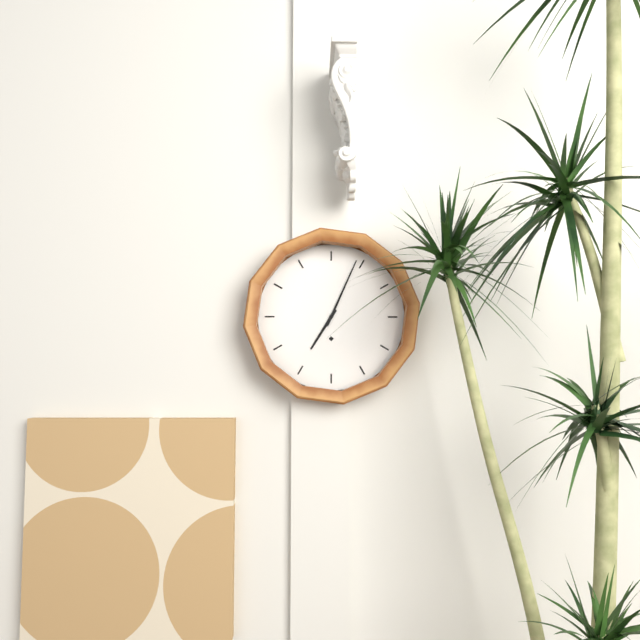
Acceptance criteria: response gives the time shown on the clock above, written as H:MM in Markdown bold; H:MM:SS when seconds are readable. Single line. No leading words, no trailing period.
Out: **7:04**
